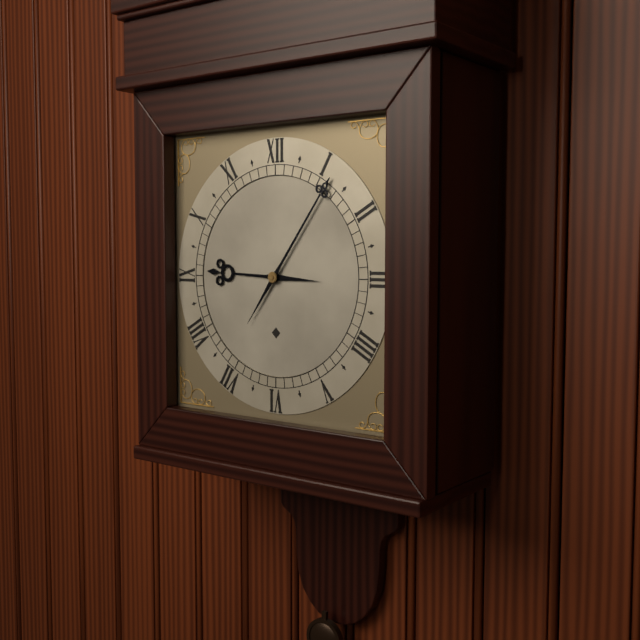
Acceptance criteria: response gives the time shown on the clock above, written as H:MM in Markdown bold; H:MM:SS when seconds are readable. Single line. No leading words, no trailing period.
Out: **9:06**
